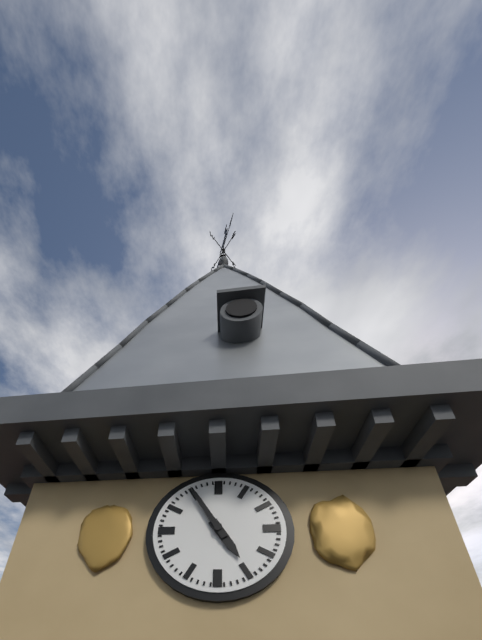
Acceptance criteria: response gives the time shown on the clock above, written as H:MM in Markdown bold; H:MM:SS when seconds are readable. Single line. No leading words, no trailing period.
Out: **4:55**
